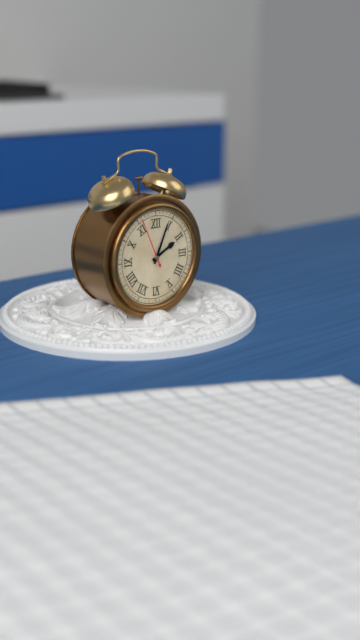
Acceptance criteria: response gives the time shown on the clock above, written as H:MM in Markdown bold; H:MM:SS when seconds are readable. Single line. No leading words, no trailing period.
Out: **2:04:56**
